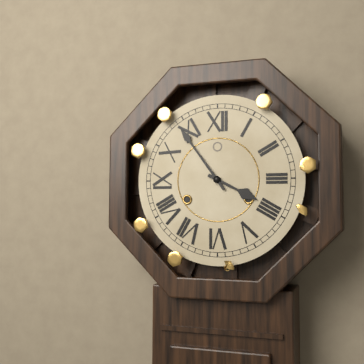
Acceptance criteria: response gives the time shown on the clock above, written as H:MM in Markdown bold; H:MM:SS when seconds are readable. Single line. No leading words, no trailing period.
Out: **3:54**
